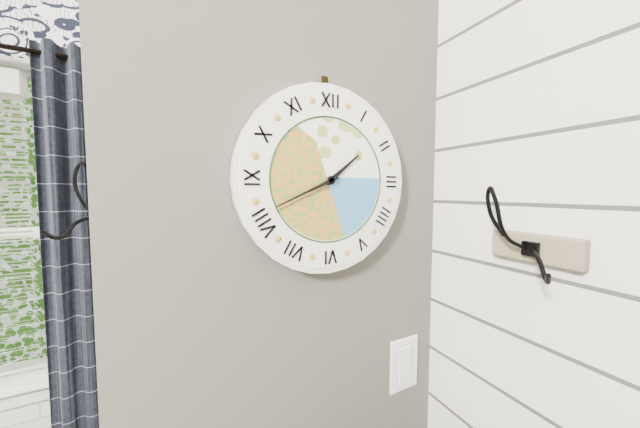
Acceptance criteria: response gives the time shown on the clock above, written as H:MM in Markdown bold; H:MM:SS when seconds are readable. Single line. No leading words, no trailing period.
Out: **1:41**
